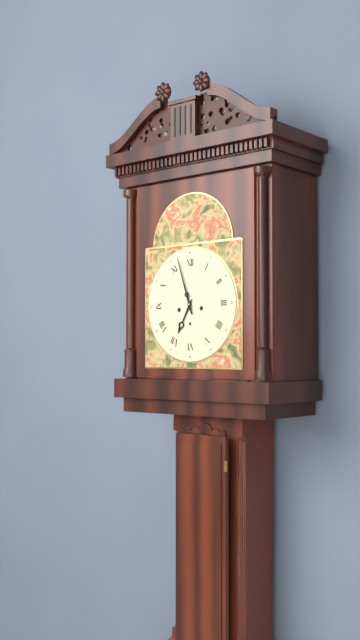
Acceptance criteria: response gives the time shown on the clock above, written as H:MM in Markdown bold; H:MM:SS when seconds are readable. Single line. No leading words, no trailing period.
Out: **6:57**
